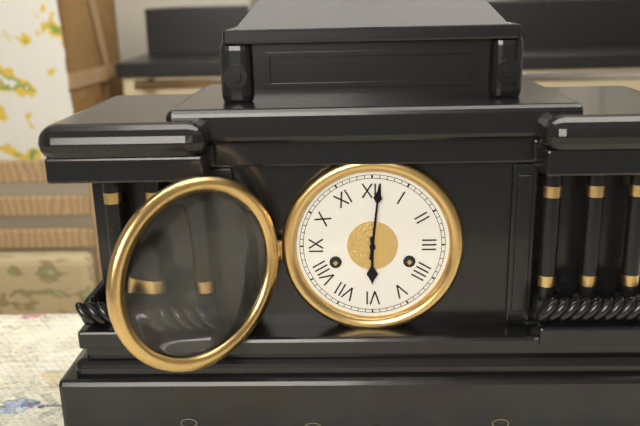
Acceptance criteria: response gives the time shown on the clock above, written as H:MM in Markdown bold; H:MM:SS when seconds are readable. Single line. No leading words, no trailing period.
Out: **6:01**
